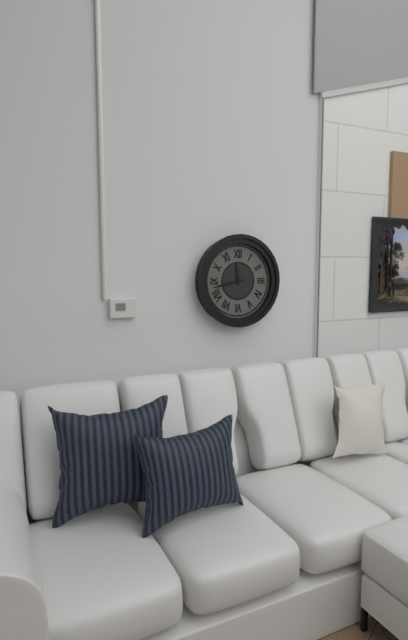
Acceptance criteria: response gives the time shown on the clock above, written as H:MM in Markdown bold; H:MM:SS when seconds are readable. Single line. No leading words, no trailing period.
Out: **11:43**
